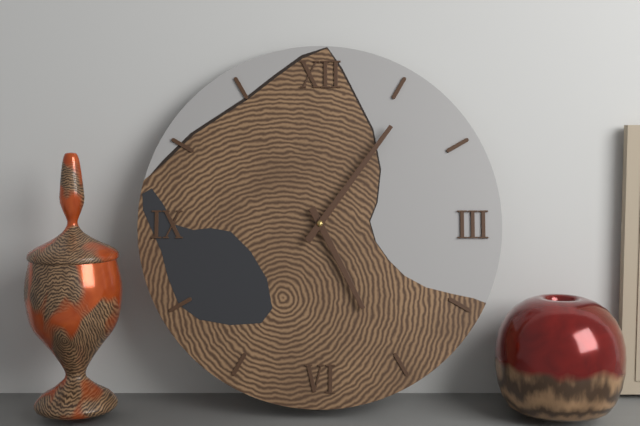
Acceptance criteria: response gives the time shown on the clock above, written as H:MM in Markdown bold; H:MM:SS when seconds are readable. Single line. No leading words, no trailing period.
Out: **5:06**
